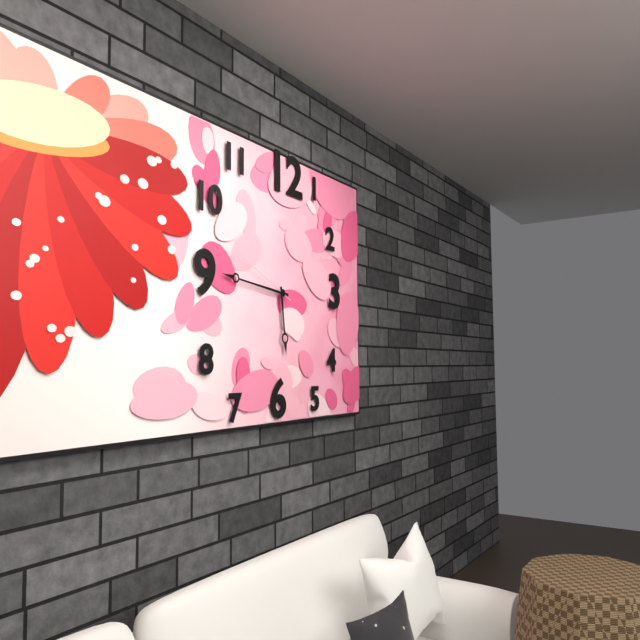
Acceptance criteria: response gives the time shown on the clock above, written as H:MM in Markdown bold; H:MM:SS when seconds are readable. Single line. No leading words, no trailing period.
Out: **5:46:49**
